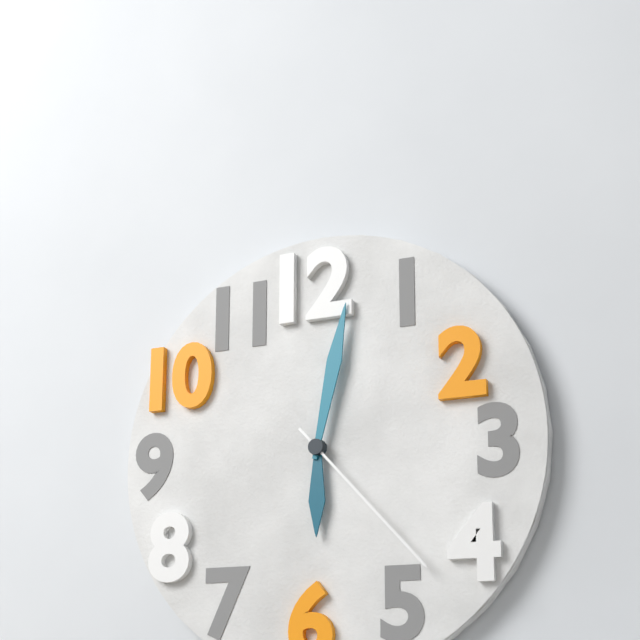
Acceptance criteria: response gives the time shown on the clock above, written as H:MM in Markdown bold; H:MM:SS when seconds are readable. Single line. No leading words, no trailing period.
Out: **6:02:23**
